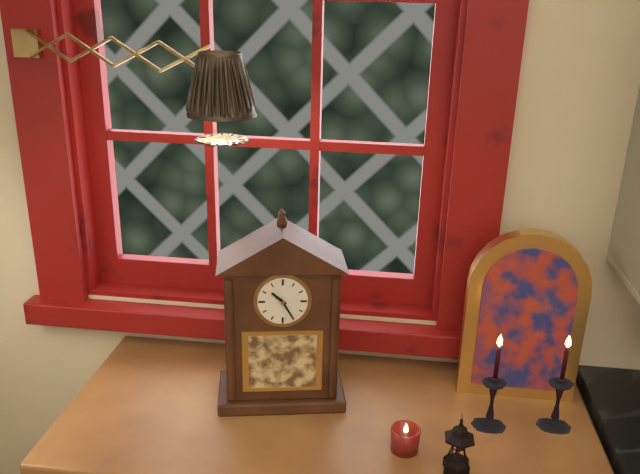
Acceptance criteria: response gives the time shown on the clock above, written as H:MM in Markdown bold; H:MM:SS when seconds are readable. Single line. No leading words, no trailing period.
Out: **10:25**
